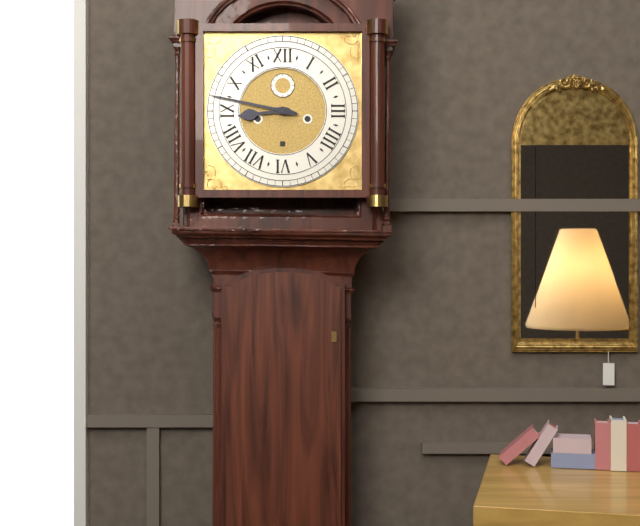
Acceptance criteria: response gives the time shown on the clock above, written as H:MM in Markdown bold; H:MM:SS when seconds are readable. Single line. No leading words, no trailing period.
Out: **8:47**
